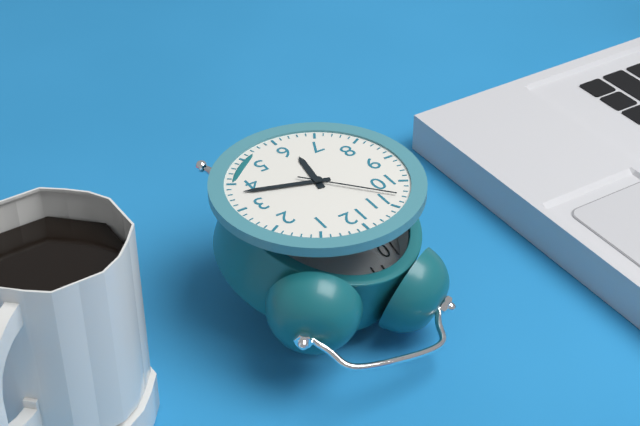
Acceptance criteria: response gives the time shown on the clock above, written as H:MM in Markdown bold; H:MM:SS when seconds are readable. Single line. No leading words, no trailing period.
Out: **6:18:53**
